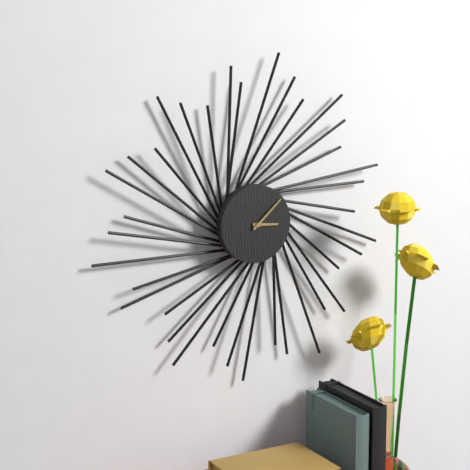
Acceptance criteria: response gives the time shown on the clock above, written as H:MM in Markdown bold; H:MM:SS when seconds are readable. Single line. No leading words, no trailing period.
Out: **3:08**
